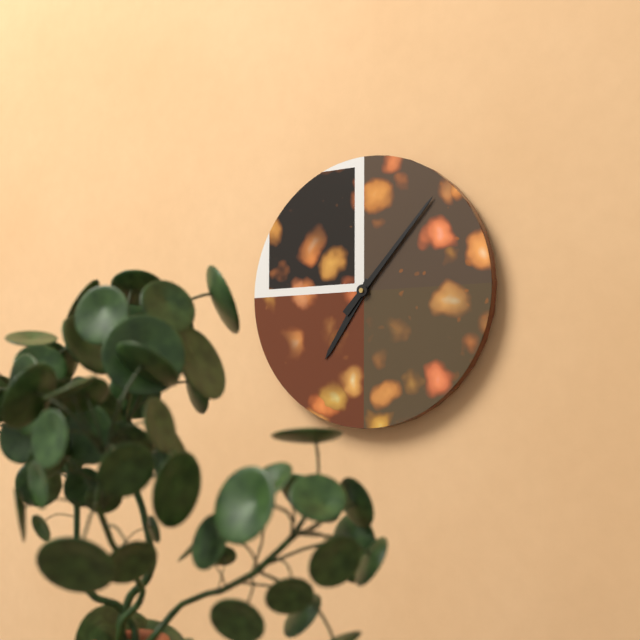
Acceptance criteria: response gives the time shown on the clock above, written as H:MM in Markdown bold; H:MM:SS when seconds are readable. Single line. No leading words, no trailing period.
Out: **7:07**
